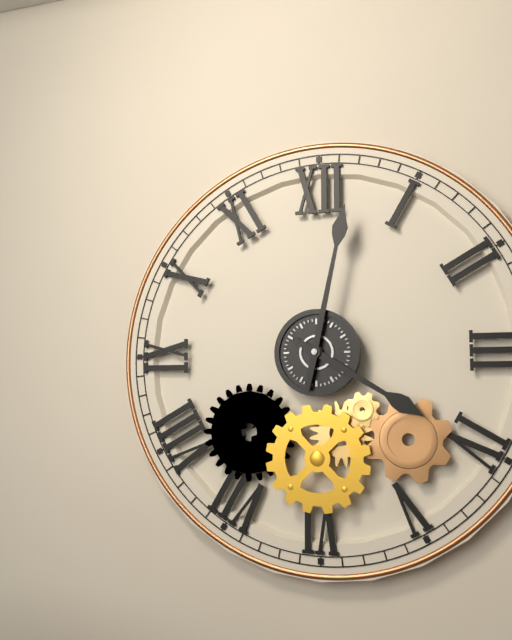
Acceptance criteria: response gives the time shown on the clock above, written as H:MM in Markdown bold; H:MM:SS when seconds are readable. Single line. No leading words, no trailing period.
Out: **4:02**
